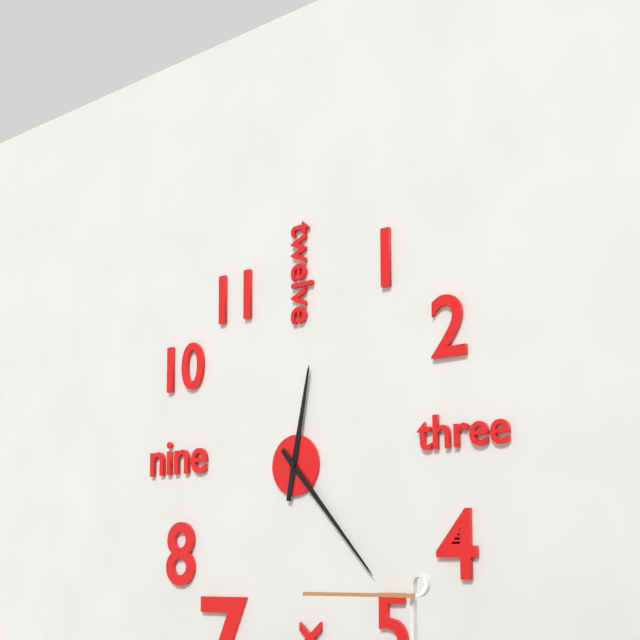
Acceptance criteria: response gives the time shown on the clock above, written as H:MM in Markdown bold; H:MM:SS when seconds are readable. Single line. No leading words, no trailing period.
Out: **12:23**
